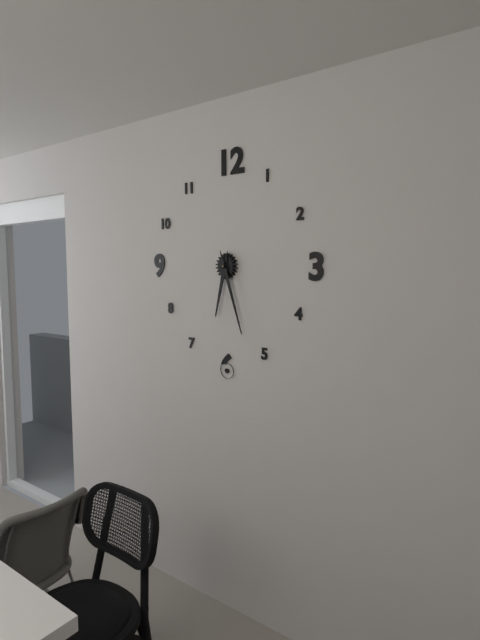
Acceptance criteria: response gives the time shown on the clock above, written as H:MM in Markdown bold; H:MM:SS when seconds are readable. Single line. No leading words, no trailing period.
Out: **6:27**
